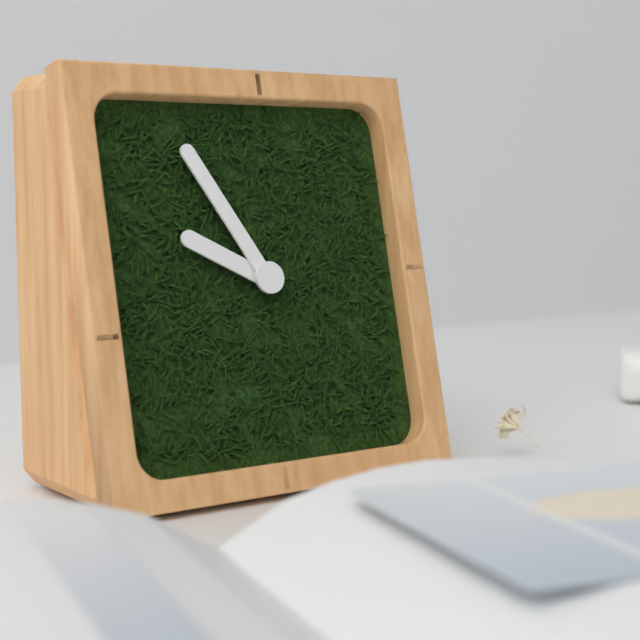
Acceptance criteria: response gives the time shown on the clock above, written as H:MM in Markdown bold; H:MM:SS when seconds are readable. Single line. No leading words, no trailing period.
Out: **9:55**
